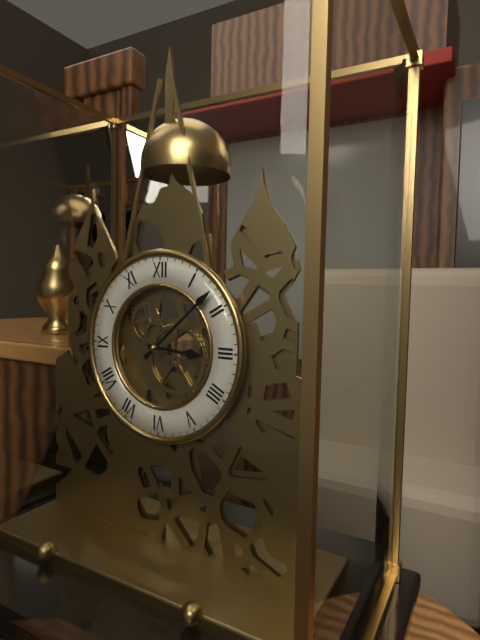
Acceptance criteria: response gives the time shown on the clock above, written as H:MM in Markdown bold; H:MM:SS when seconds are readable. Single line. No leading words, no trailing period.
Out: **3:08**
